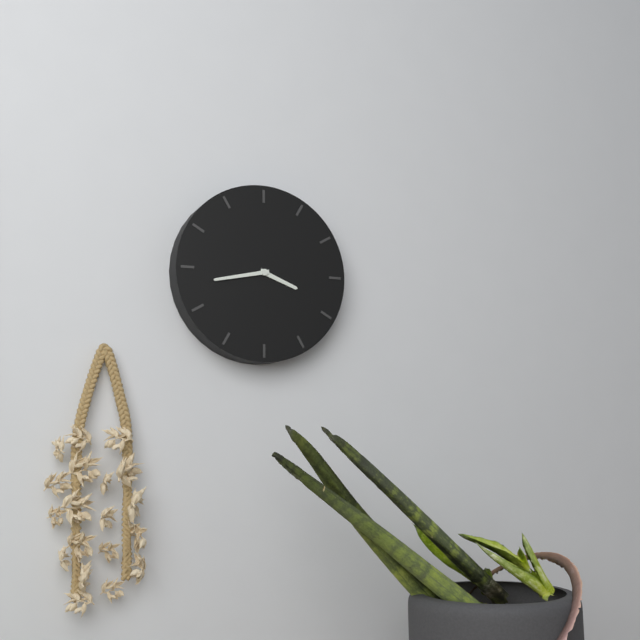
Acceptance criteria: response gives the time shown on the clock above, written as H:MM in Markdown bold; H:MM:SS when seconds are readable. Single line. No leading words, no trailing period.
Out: **3:43**
